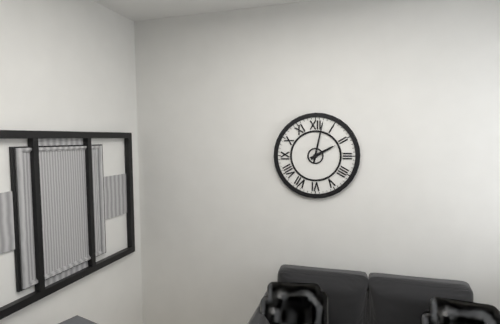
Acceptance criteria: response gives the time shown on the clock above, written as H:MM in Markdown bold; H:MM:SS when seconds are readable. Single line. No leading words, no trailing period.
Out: **2:02**
